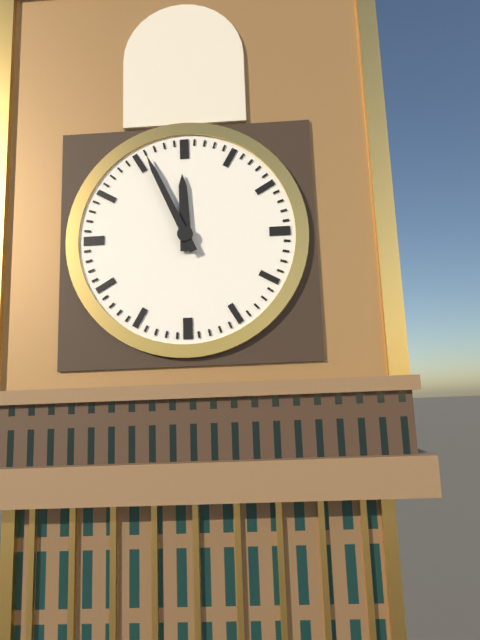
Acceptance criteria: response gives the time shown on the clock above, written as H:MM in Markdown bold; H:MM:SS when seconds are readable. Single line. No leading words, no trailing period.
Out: **11:56**
